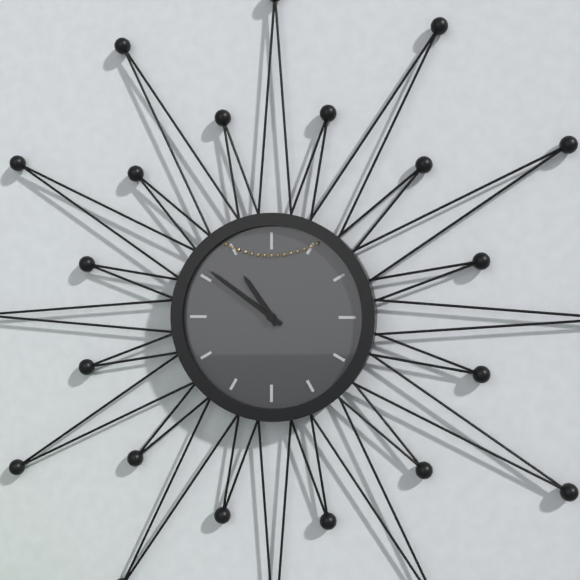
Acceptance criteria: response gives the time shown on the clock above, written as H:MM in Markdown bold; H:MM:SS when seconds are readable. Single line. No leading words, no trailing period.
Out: **10:51**
